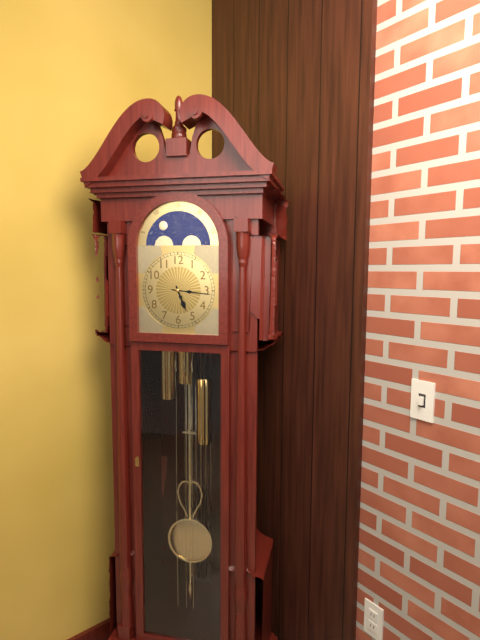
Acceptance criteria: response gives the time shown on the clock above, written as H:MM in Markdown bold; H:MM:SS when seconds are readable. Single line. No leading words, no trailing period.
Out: **5:16**
